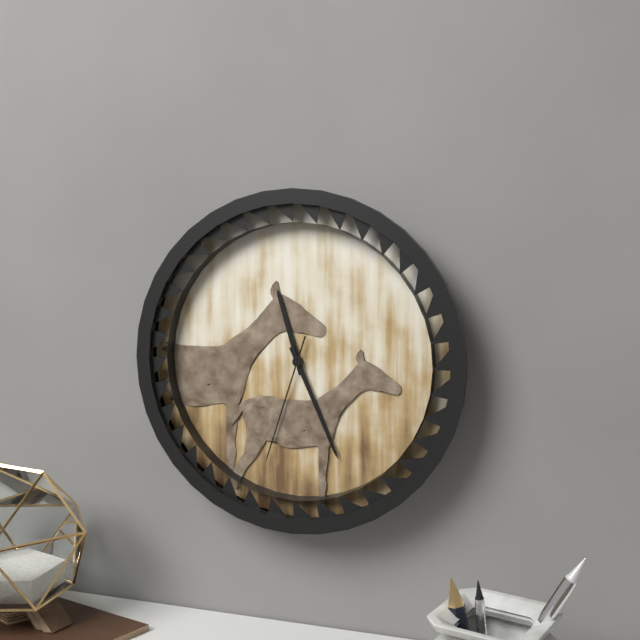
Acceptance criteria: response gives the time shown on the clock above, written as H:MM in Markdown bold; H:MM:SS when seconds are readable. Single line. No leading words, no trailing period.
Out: **11:26:33**
